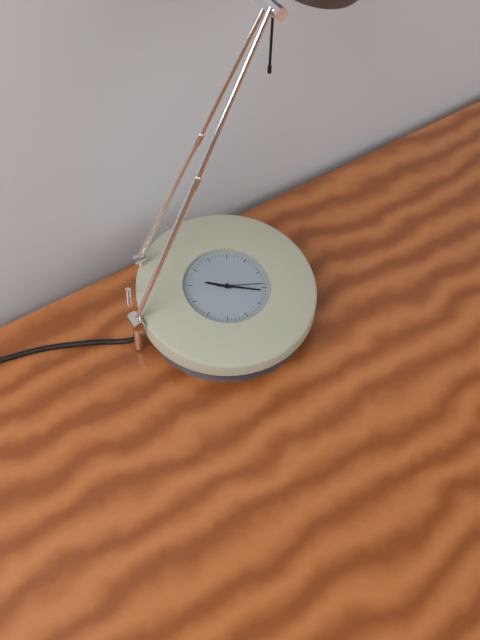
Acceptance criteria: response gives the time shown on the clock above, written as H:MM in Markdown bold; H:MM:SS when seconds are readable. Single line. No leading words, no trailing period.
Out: **10:21**
